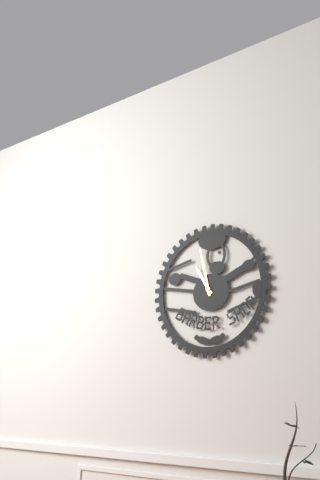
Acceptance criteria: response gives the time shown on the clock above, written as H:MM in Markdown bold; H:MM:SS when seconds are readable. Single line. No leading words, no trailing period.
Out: **10:58**
